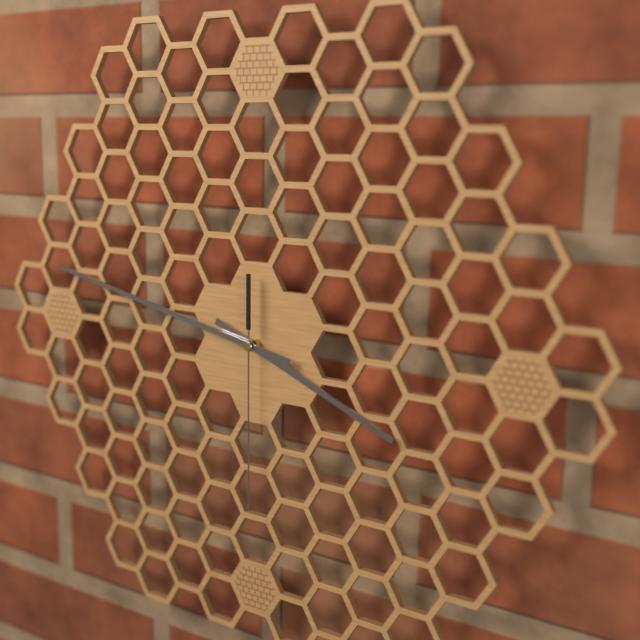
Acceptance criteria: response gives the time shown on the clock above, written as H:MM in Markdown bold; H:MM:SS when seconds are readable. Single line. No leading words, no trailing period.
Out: **3:47:30**
